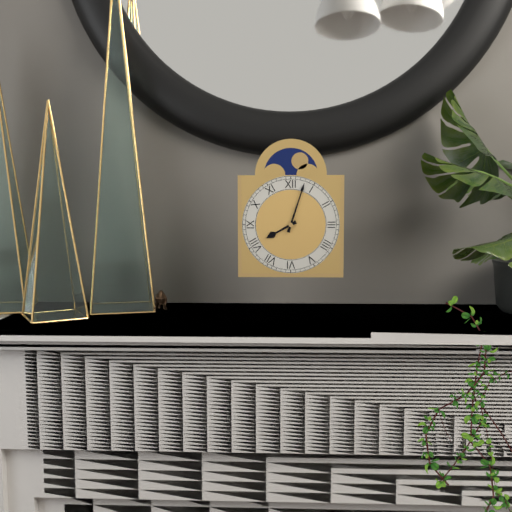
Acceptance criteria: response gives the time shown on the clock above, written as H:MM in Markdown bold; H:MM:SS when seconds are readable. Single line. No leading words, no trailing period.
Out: **8:03**
